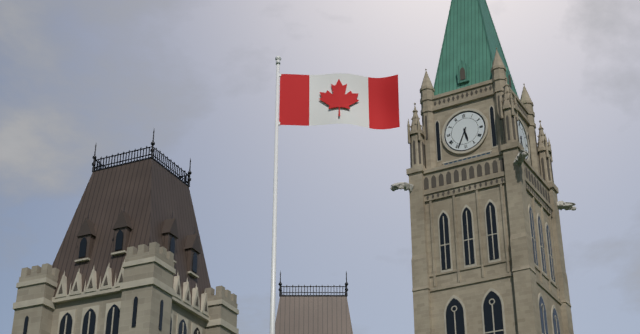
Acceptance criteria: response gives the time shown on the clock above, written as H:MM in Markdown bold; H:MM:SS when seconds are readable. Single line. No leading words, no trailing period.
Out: **5:34**
